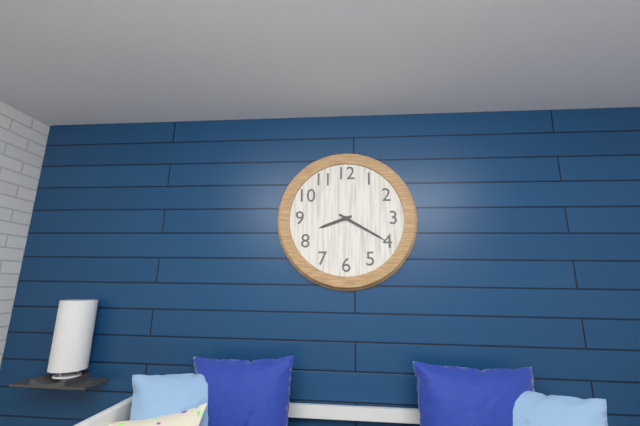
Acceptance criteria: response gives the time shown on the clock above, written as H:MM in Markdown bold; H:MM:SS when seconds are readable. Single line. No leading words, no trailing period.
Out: **8:20**
